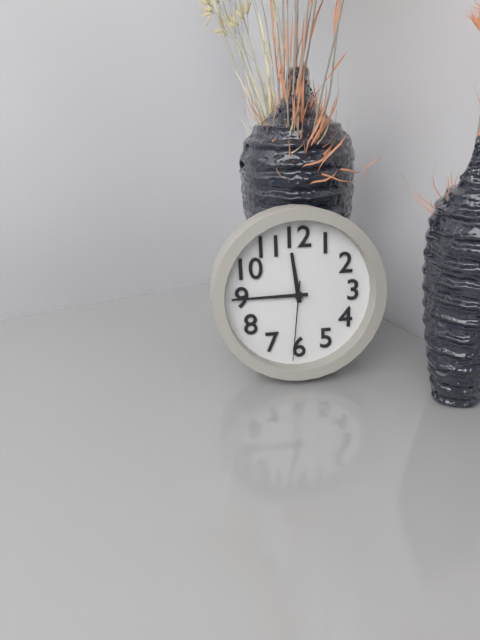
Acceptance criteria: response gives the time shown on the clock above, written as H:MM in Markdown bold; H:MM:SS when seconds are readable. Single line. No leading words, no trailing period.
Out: **11:45:31**
